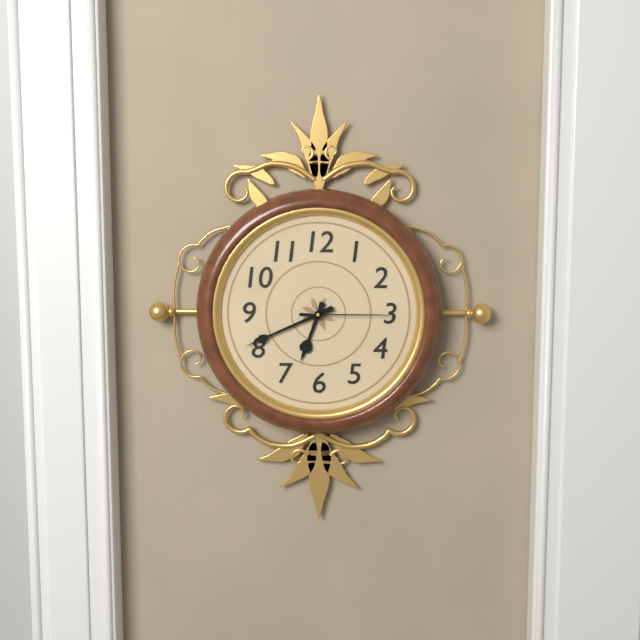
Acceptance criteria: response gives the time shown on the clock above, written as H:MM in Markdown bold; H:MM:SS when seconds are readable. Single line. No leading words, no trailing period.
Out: **6:41:15**
